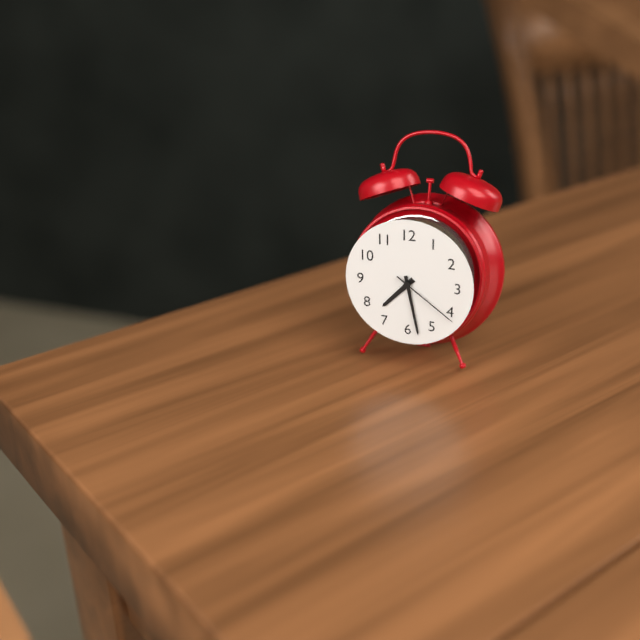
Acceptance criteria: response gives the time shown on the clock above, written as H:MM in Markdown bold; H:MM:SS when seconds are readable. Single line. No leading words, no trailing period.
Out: **7:28:21**
